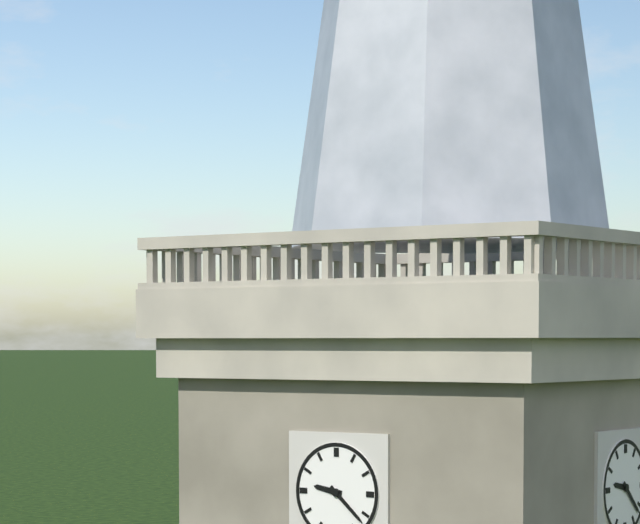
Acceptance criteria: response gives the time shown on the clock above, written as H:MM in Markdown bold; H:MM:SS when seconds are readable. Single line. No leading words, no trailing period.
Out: **9:22**
